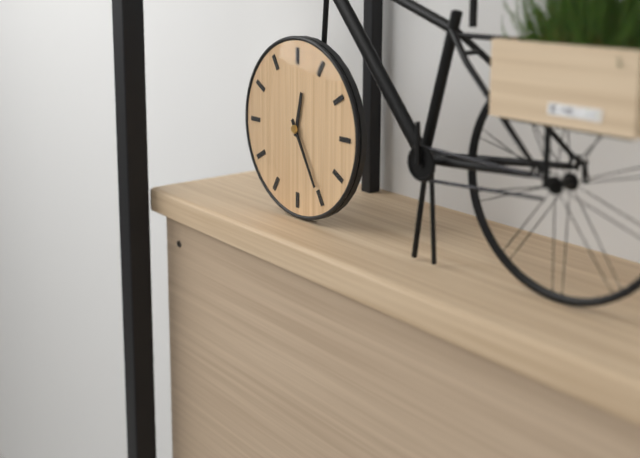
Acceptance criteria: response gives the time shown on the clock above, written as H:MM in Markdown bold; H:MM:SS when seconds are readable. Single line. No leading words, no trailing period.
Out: **12:25**
